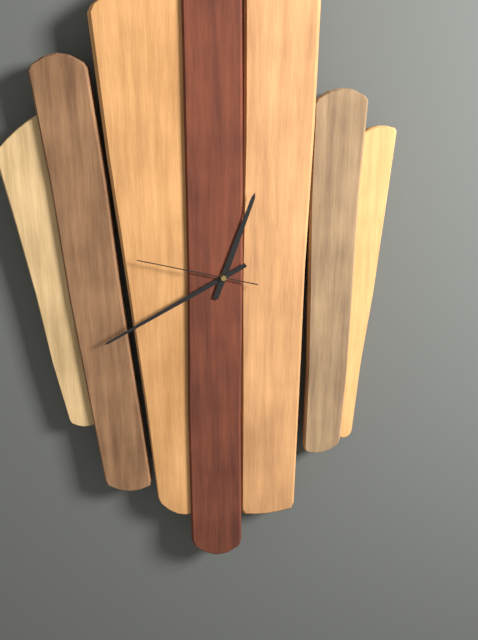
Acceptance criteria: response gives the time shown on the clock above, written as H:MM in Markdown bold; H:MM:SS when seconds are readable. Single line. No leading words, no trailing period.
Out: **12:40:47**
